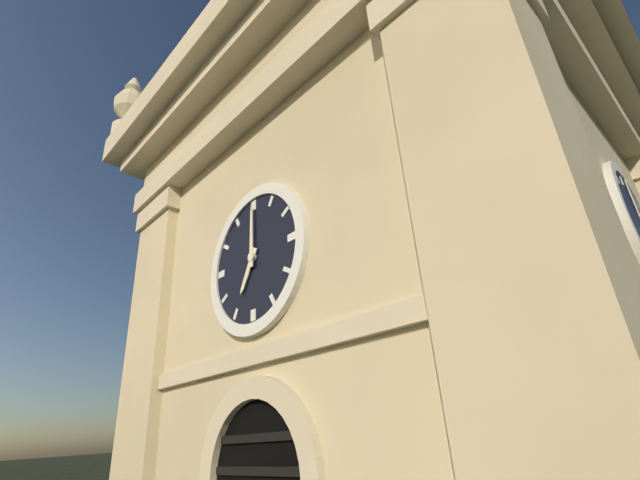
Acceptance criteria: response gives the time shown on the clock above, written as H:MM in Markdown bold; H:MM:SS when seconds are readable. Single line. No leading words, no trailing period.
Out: **7:00**
